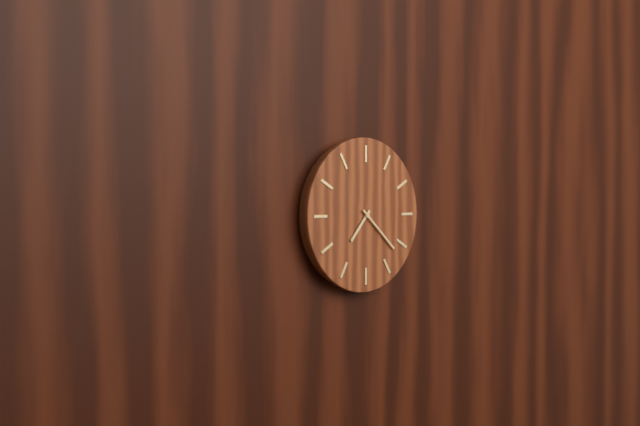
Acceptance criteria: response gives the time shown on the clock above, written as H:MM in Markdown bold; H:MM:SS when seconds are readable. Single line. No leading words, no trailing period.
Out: **7:22**
